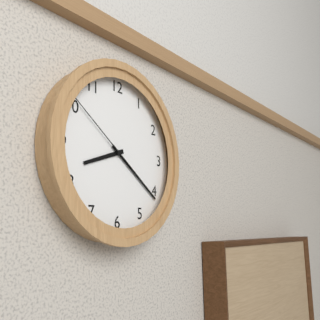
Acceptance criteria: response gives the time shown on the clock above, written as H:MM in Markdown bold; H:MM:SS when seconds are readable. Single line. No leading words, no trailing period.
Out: **8:21:51**
